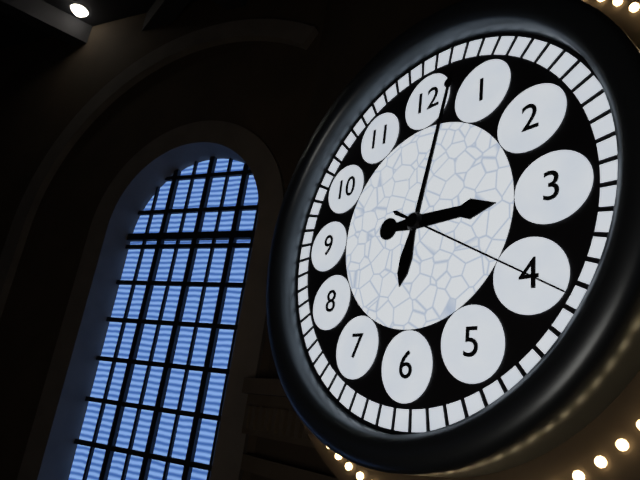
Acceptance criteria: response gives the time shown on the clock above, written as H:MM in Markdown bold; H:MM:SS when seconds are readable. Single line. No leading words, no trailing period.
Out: **3:02:20**
